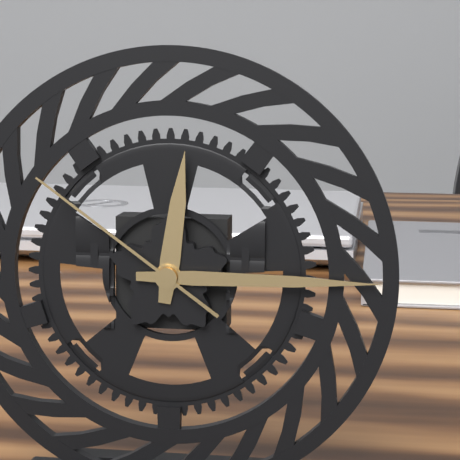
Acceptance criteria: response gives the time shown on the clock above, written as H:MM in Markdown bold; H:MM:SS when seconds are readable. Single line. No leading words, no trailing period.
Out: **12:15:51**
